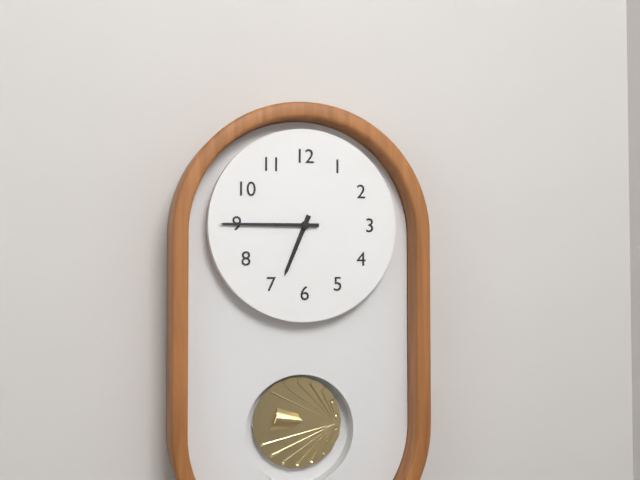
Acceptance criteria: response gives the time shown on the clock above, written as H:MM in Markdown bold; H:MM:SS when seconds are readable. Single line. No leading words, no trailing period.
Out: **6:45**
